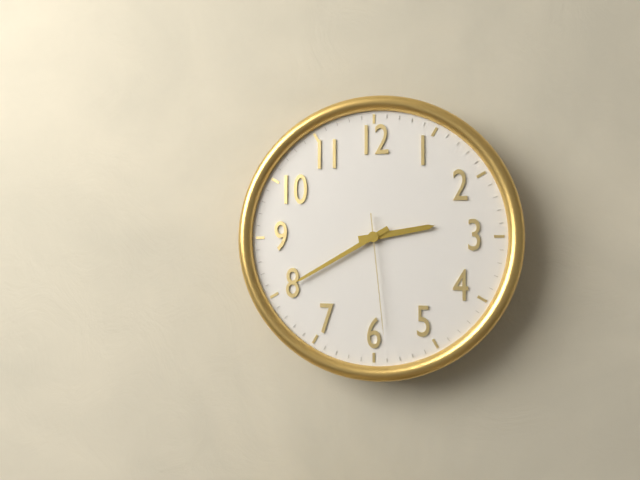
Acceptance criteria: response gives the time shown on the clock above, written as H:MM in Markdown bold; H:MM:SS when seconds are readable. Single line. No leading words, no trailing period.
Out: **2:40:29**
